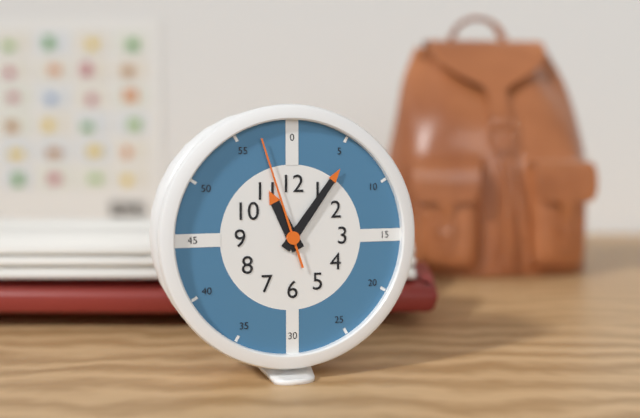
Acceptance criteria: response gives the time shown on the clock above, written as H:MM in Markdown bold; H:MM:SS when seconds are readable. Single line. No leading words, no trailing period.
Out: **11:06:57**
